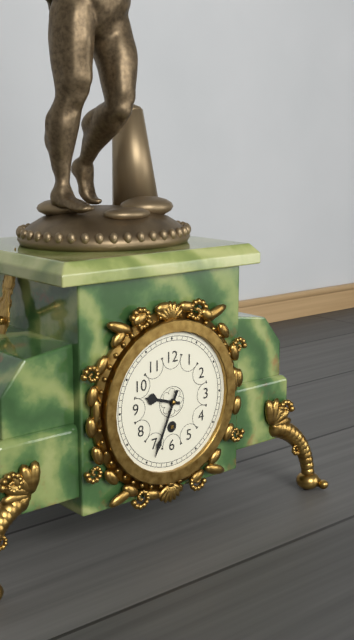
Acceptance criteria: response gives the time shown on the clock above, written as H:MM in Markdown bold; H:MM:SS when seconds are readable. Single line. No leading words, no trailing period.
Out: **9:34**
